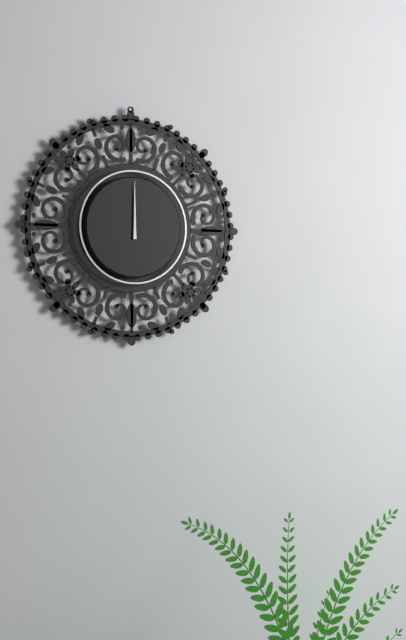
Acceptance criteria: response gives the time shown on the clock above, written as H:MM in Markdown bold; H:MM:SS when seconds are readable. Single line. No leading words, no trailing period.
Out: **12:00**
